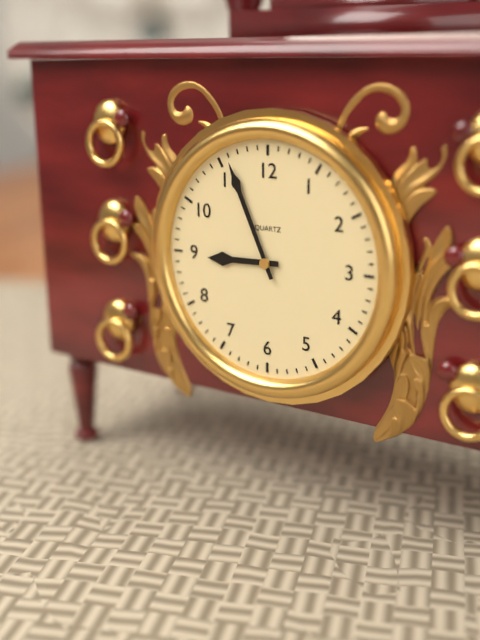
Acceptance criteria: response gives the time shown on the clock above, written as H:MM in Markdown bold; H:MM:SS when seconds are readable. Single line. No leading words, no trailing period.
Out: **8:56**
